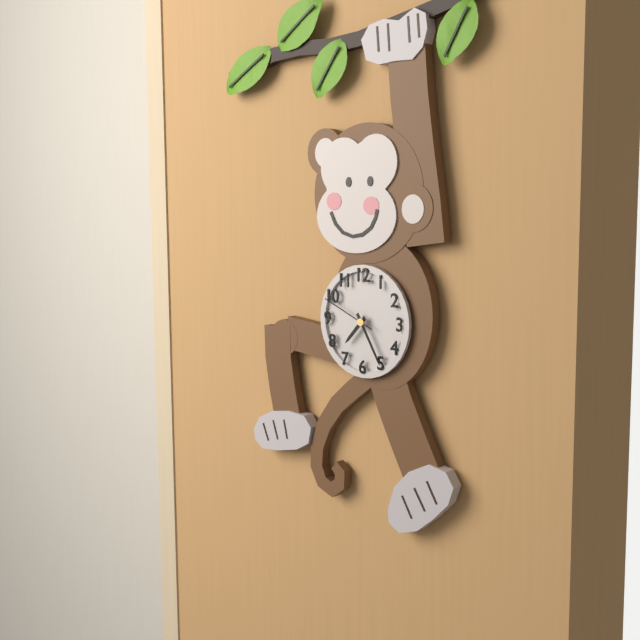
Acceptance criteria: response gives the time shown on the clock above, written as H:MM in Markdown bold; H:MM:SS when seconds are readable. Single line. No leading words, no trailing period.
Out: **7:25:49**
